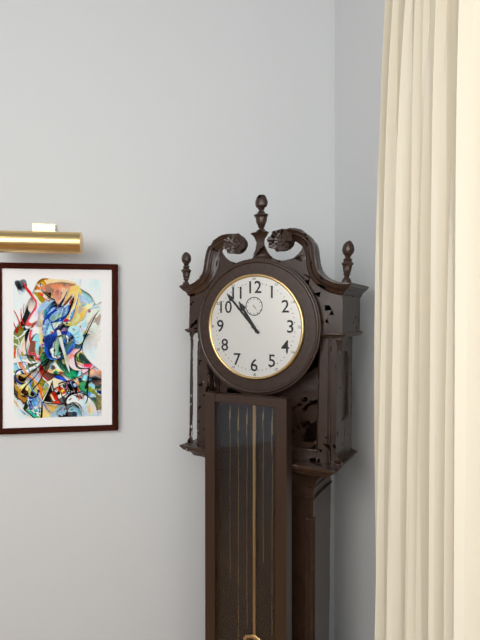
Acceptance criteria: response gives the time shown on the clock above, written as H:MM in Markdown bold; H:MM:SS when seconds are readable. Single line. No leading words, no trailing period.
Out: **10:53**
